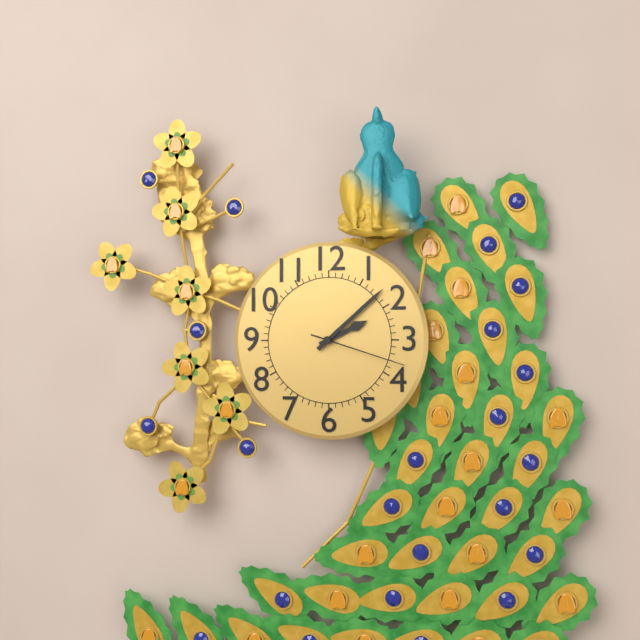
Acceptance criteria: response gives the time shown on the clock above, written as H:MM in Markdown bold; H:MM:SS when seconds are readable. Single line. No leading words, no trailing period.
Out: **2:08:18**
